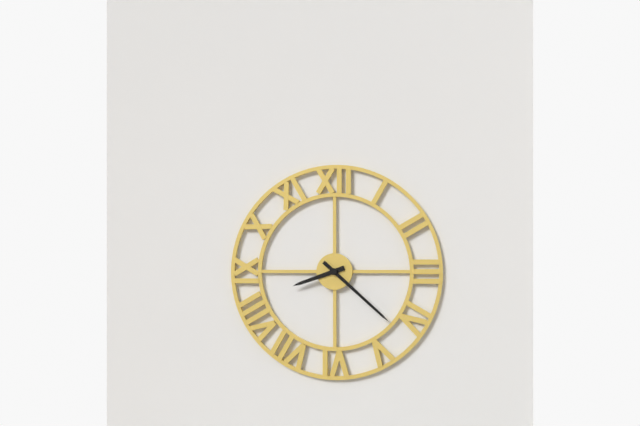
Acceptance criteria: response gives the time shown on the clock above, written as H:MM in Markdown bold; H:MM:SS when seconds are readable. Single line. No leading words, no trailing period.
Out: **8:22**
